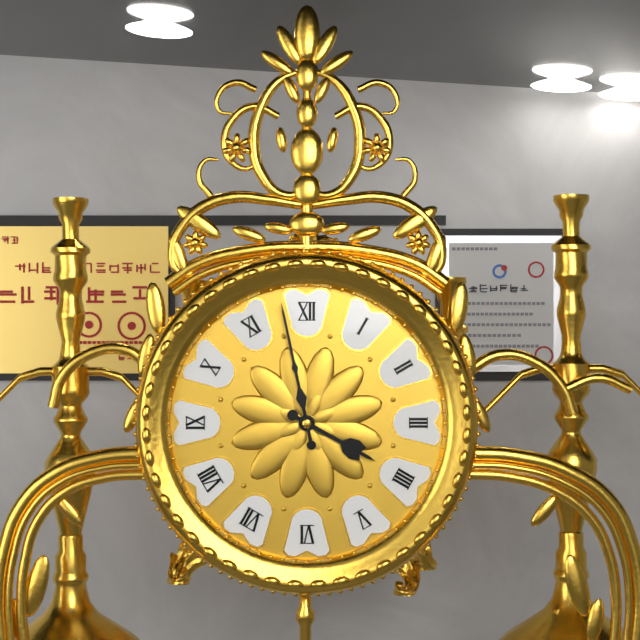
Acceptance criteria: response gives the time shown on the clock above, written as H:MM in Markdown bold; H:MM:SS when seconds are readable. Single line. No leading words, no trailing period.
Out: **3:58**
